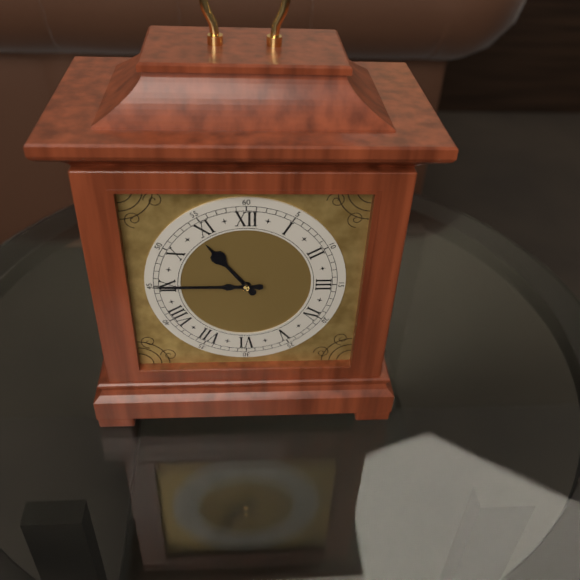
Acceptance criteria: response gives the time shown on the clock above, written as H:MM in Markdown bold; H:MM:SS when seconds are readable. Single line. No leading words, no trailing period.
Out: **10:45**
